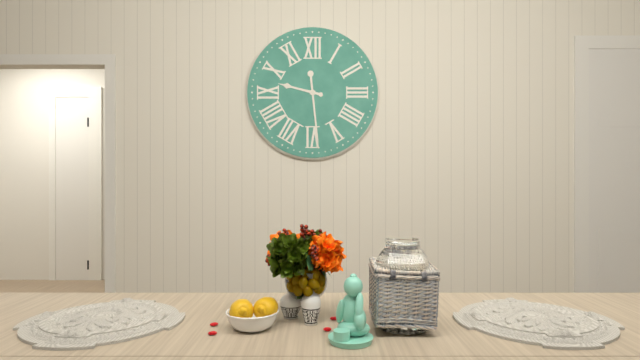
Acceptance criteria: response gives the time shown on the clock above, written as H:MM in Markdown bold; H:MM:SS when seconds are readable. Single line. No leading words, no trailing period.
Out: **9:29**
